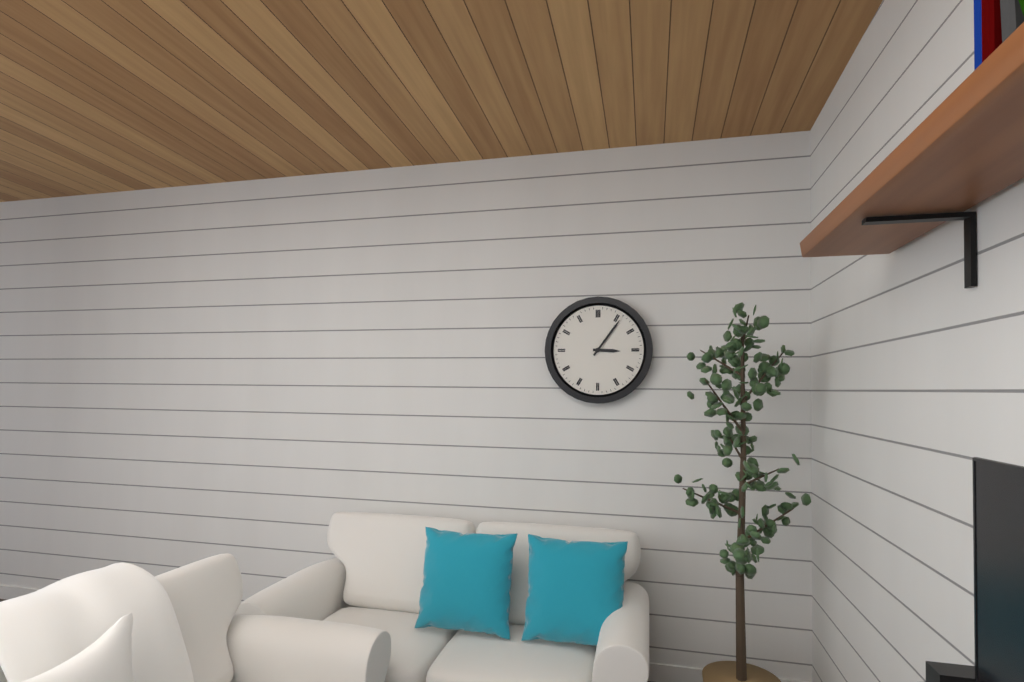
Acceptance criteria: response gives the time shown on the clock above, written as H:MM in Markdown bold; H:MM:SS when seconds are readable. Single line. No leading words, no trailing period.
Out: **3:06**
